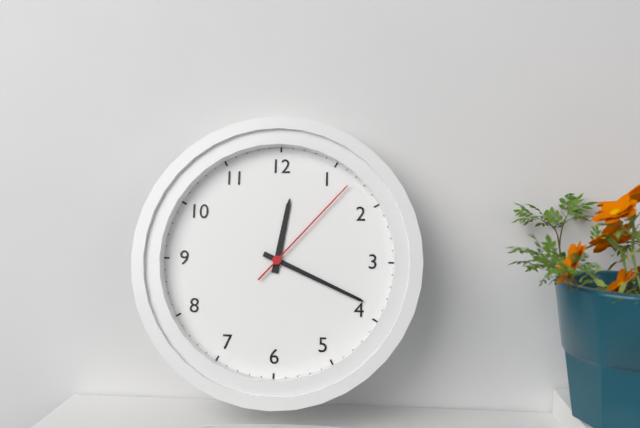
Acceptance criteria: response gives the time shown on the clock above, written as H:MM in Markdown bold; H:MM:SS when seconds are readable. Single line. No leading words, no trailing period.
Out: **12:19:07**
